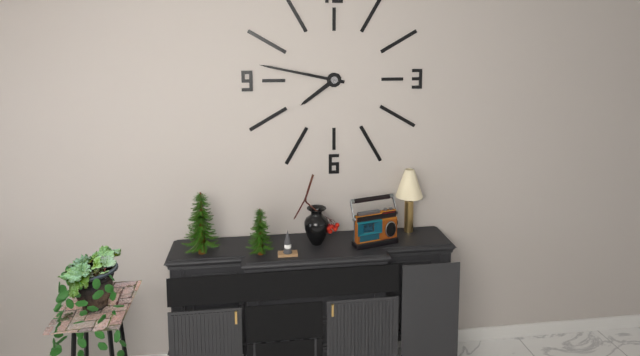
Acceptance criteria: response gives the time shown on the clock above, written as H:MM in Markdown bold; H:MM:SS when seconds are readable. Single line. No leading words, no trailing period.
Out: **7:47**
